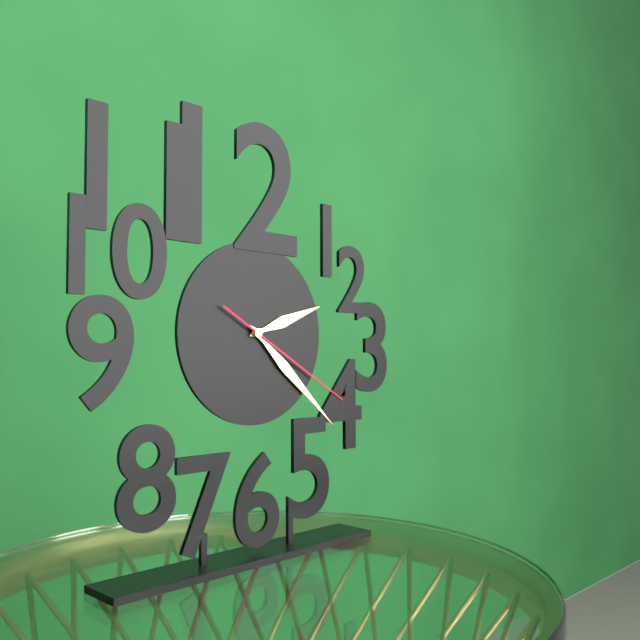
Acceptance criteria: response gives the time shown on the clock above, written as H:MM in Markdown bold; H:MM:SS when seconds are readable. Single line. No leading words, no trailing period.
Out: **2:22:20**
